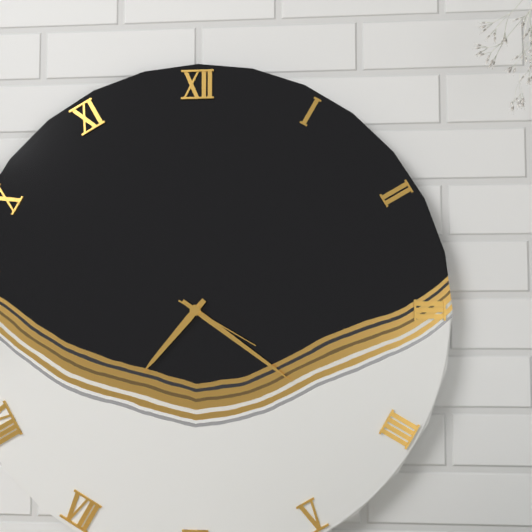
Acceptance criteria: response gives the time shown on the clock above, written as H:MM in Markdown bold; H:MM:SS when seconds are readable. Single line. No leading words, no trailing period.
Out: **7:21:20**
